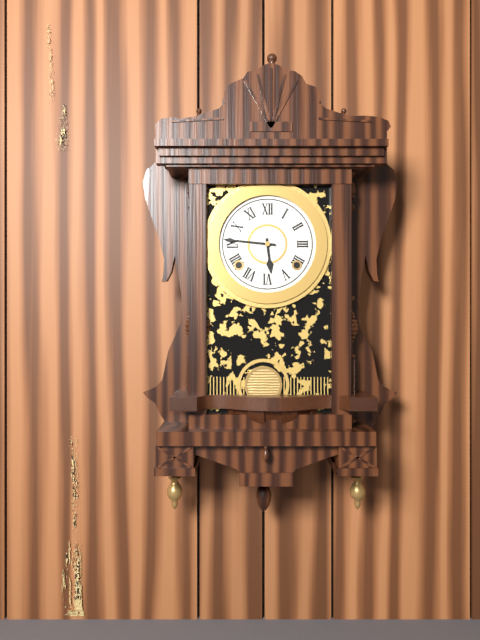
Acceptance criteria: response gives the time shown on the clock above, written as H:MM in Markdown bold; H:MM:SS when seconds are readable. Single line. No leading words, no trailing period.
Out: **5:46**
